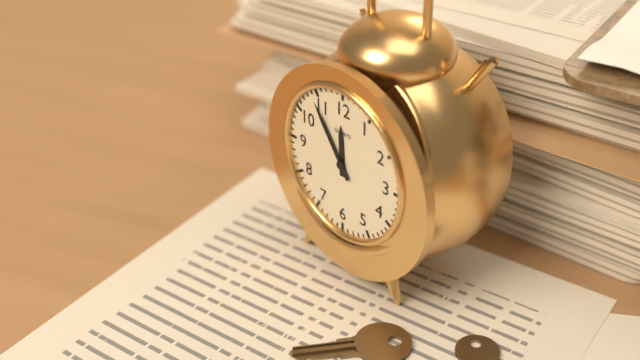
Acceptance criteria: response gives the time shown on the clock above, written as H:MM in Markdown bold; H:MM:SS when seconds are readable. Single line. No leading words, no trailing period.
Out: **11:54**
